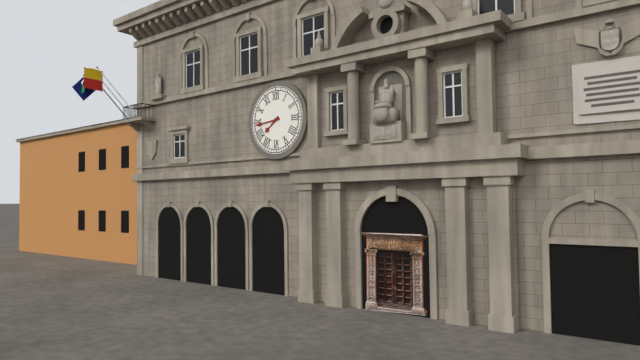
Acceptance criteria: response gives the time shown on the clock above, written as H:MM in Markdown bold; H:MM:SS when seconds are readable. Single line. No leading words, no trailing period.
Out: **7:44**
